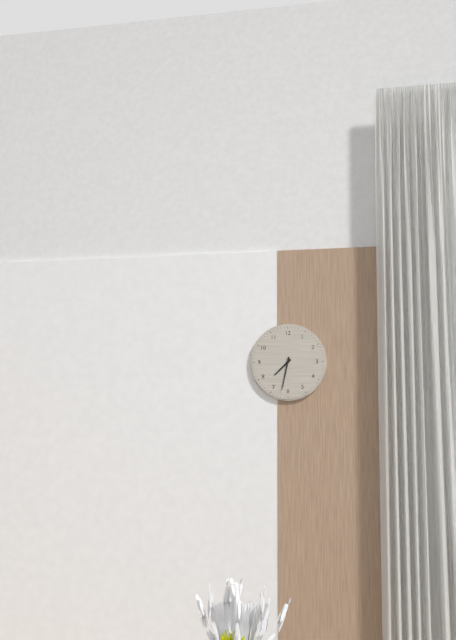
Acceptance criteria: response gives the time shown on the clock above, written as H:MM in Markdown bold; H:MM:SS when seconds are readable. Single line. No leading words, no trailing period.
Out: **7:32**
